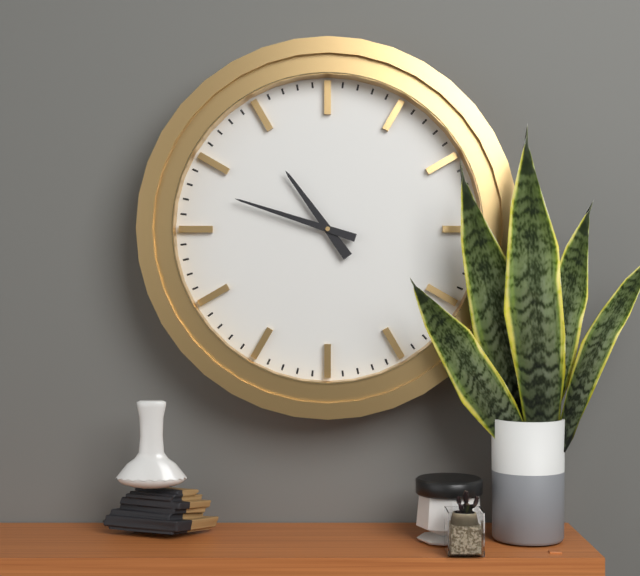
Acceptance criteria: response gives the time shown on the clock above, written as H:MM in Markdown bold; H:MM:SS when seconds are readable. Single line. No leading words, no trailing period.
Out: **10:48**
